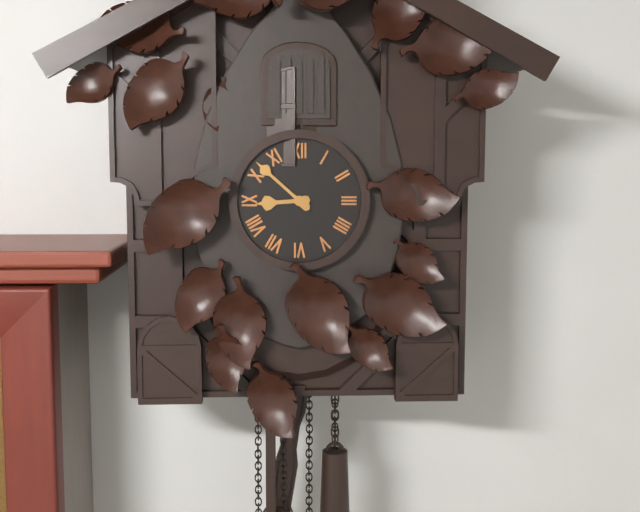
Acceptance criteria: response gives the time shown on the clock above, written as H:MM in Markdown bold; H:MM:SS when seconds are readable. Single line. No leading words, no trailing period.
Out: **8:52**
